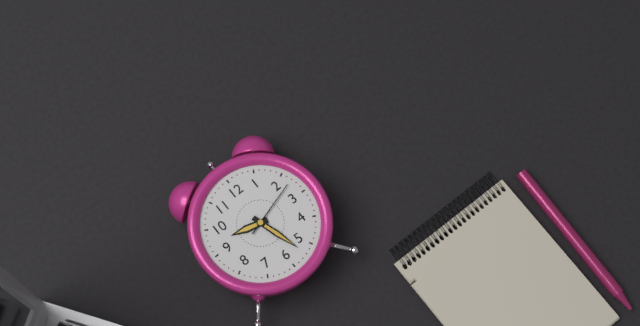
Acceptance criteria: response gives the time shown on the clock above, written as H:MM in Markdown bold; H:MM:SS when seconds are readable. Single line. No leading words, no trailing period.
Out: **9:27:12**
